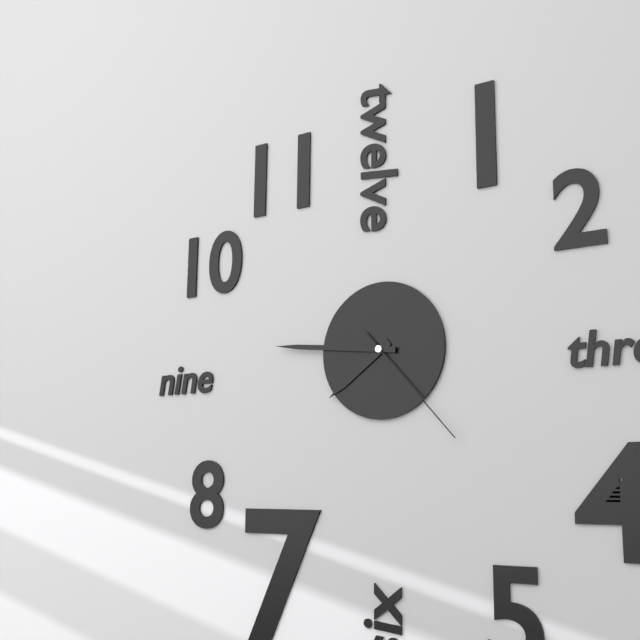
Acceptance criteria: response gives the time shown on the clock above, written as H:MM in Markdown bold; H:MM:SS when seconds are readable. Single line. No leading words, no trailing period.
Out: **7:46:23**
